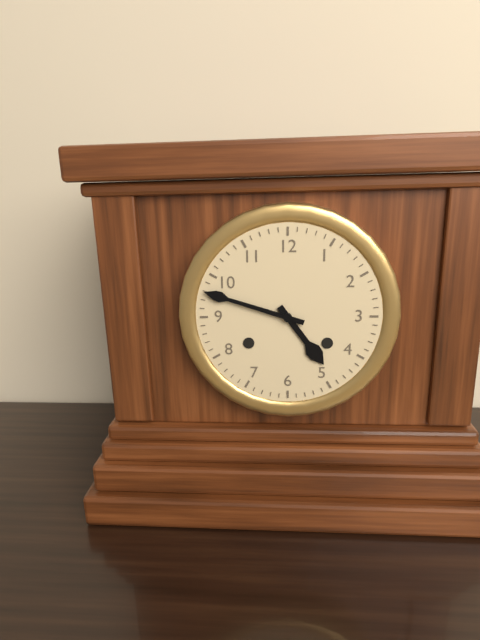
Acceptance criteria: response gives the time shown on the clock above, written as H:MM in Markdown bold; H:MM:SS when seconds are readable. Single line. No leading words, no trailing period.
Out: **4:48**
